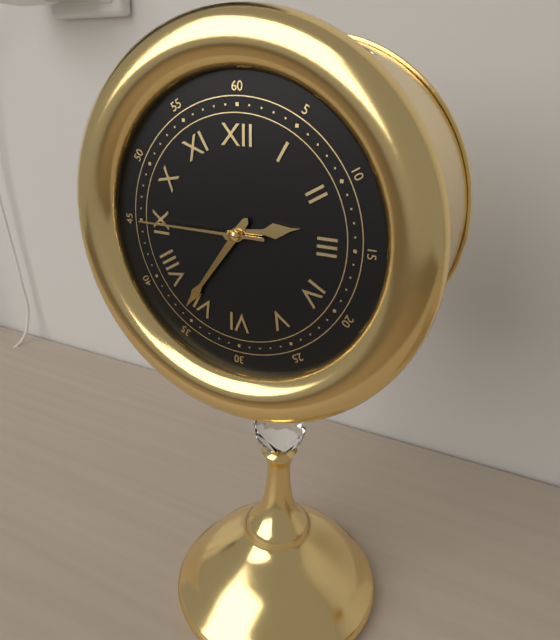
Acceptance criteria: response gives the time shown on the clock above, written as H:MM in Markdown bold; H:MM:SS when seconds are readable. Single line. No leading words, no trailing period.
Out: **2:36:45**
